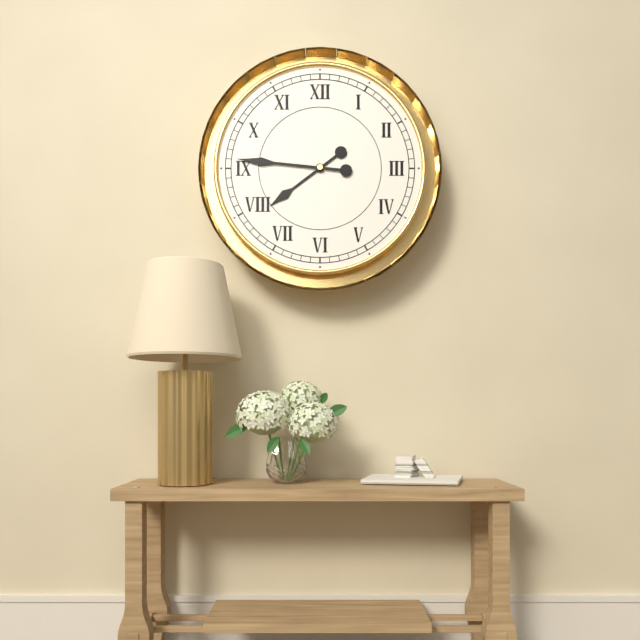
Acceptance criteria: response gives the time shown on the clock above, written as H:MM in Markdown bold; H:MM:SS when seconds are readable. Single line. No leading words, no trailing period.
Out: **7:46**
